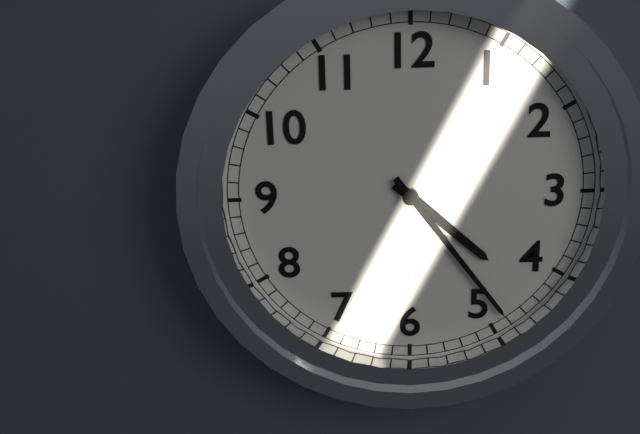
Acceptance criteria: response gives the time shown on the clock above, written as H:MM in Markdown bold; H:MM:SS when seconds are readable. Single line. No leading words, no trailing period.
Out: **4:24**
